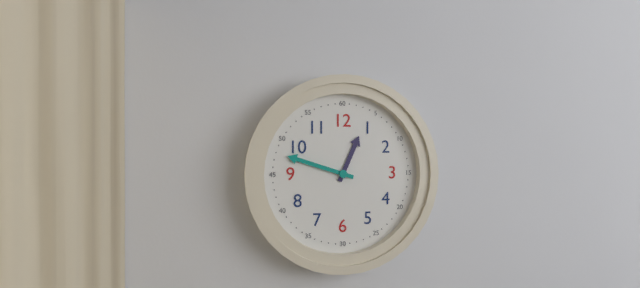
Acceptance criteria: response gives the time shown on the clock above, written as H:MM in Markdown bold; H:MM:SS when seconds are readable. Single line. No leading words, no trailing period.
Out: **12:48**
